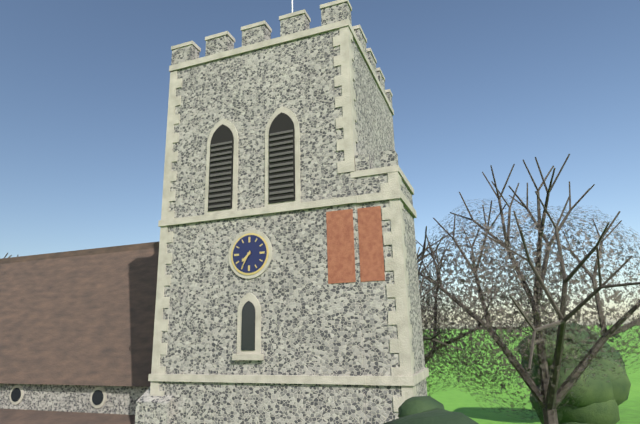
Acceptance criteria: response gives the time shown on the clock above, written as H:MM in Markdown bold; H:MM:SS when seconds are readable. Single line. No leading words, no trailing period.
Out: **7:35**
